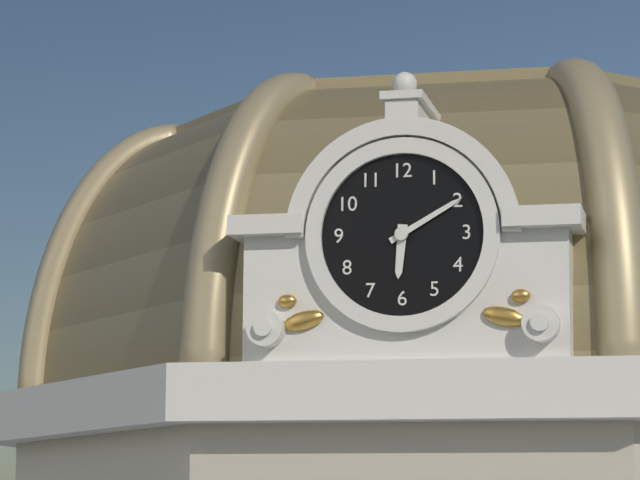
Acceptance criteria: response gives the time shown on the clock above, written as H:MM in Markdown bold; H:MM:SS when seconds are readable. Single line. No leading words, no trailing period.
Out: **6:10**
